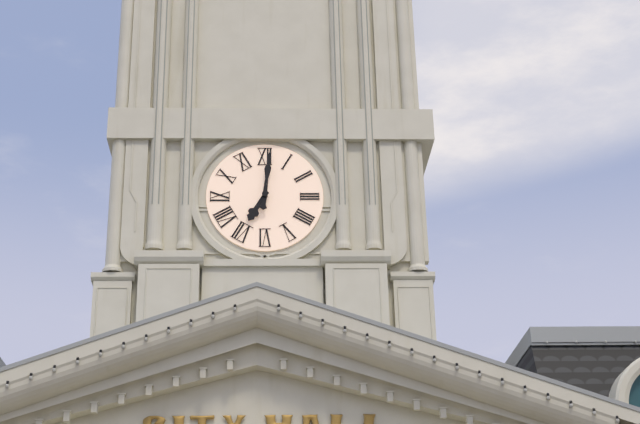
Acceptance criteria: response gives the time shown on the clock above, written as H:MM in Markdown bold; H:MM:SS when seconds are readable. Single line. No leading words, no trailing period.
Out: **7:01**
